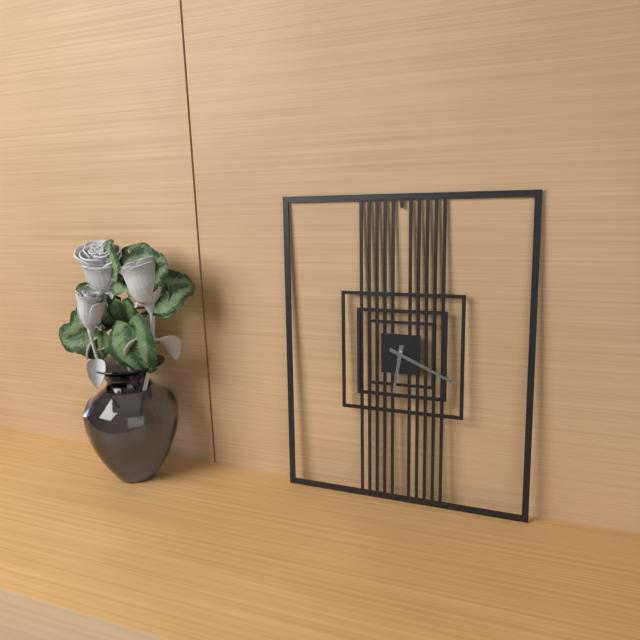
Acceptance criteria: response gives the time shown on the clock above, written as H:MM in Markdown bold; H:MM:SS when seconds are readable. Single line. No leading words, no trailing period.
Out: **6:19**
